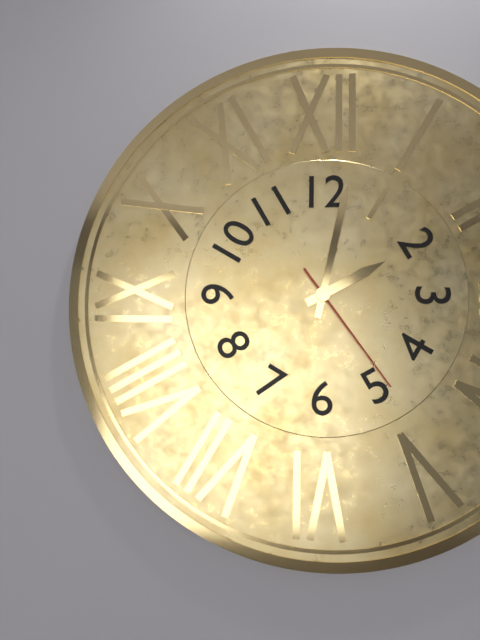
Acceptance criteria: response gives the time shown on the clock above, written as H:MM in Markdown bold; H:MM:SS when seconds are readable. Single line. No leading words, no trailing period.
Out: **2:02:24**
